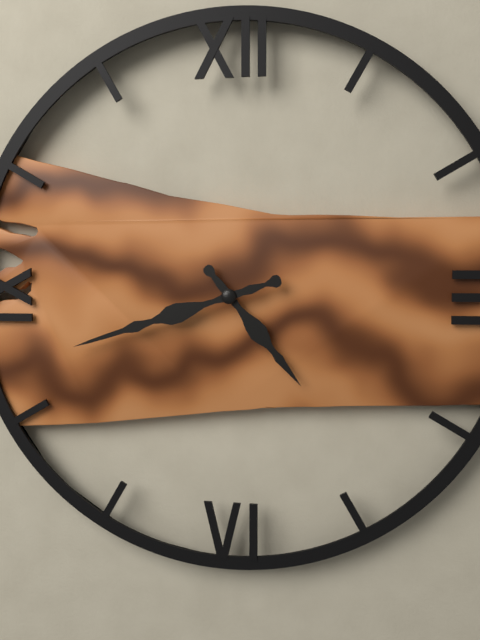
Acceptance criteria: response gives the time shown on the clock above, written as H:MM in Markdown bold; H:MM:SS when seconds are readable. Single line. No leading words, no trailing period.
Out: **4:42**
